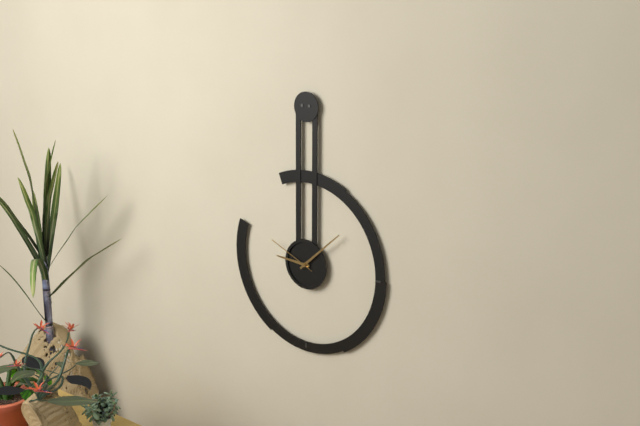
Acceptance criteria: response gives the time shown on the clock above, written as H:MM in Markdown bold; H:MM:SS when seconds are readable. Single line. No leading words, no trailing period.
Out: **9:08:49**
